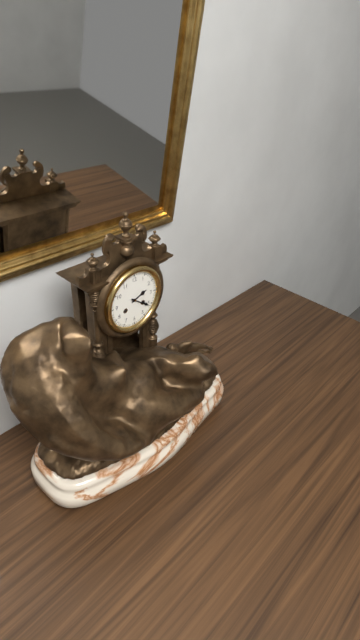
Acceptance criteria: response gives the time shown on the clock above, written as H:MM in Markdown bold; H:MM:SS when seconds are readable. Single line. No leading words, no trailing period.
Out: **2:21**
